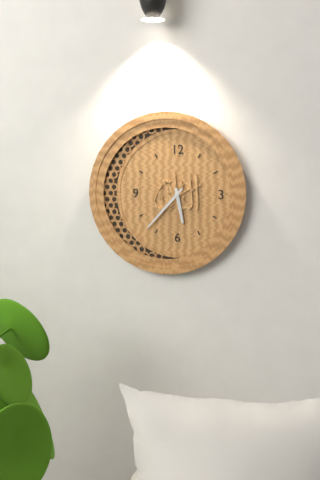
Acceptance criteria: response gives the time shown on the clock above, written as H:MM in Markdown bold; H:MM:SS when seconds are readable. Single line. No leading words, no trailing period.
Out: **5:37**
